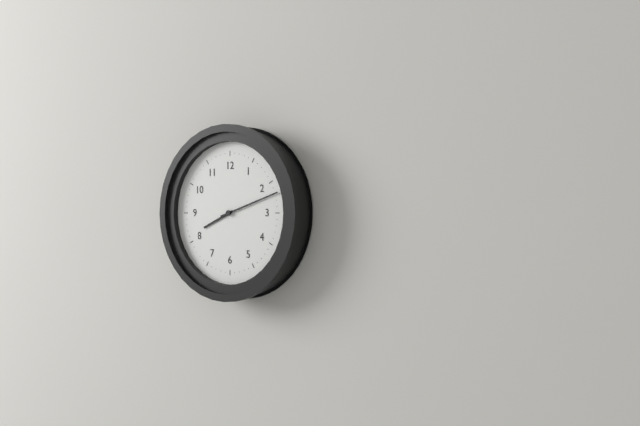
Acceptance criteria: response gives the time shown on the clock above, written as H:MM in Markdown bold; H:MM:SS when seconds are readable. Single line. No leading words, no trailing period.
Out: **8:12**
